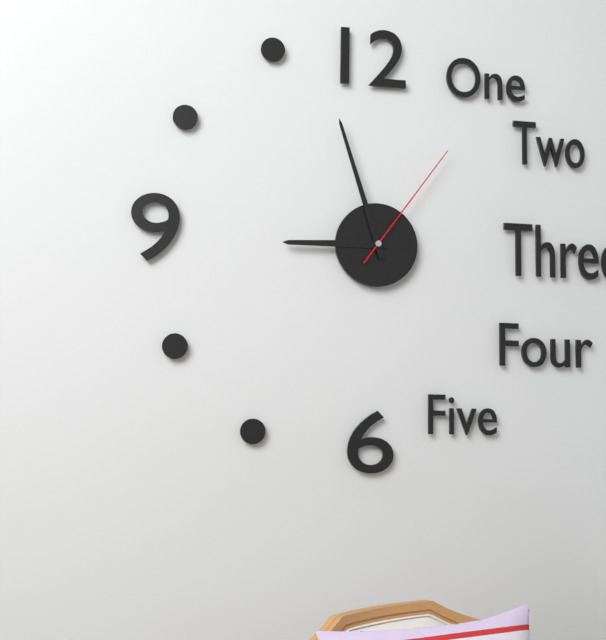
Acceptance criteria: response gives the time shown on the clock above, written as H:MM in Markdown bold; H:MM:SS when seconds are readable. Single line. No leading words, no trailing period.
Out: **8:57:06**
